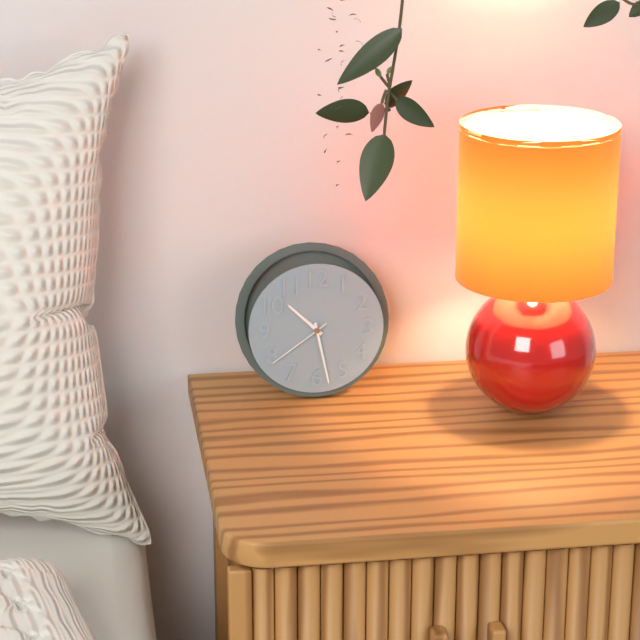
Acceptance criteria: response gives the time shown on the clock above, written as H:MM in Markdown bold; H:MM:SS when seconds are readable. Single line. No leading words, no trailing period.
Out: **10:28:39**
